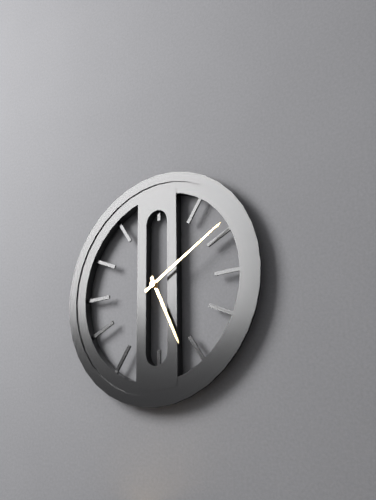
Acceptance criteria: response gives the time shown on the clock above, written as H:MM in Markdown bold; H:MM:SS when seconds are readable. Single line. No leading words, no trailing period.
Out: **5:10**
